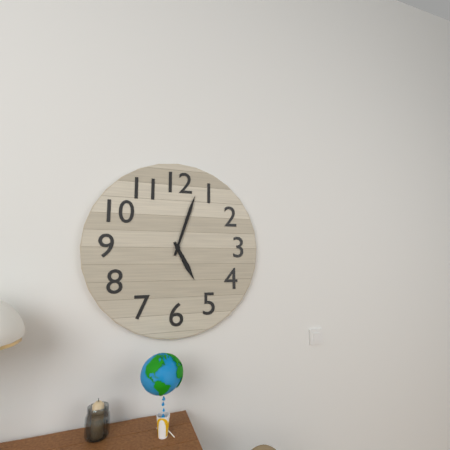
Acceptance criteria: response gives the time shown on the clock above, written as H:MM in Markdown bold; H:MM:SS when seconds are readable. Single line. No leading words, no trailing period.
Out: **5:03**
